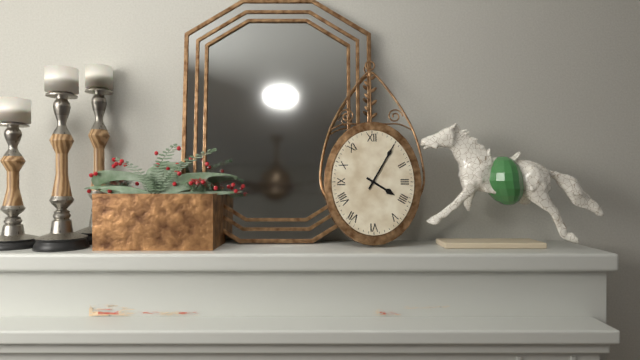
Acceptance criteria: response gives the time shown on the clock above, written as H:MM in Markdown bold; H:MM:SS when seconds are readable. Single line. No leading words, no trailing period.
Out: **4:05**
